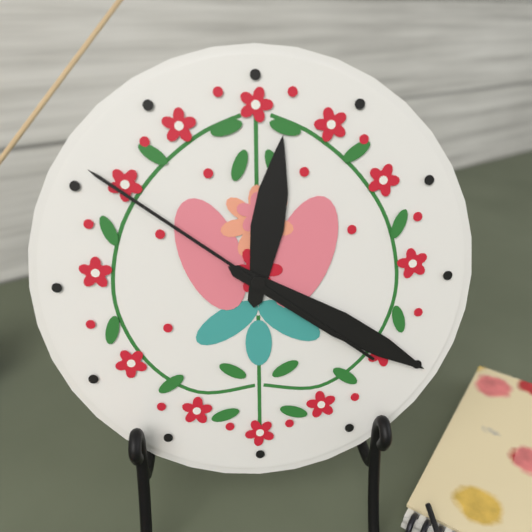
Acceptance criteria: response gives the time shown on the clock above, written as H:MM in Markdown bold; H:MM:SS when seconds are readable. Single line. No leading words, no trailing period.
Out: **12:20:51**
